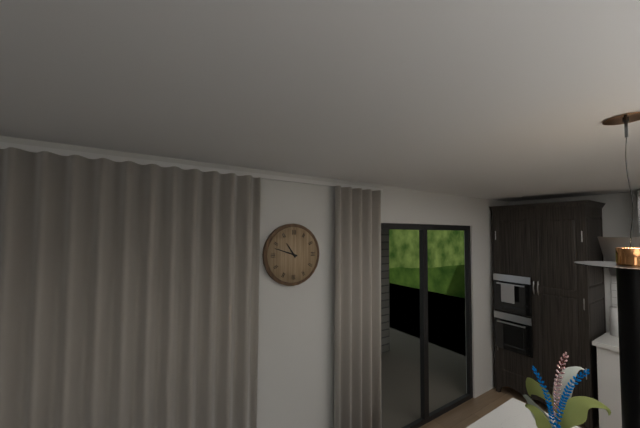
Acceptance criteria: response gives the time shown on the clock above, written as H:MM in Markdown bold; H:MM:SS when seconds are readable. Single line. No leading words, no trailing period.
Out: **10:48**
